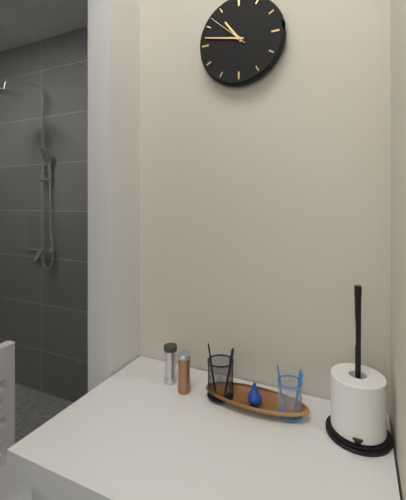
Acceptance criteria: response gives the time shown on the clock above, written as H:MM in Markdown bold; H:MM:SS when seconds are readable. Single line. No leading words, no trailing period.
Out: **10:47**
